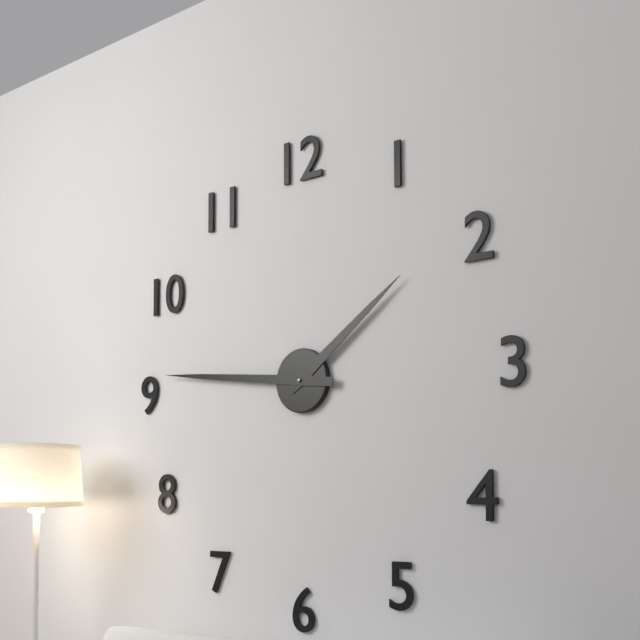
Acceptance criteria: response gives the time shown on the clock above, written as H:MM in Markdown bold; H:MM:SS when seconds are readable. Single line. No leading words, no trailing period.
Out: **1:46**
